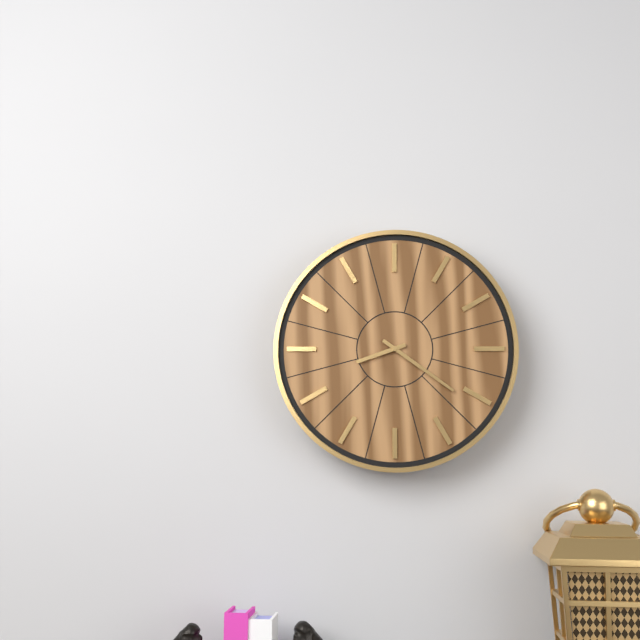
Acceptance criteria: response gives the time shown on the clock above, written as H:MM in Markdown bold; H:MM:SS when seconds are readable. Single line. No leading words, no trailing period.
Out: **8:21**
